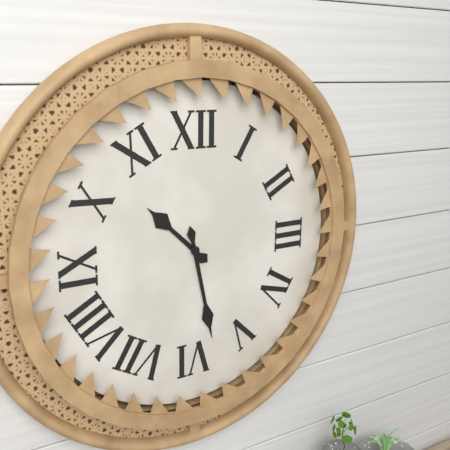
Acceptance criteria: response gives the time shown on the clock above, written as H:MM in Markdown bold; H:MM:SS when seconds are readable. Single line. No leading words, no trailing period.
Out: **10:28**
